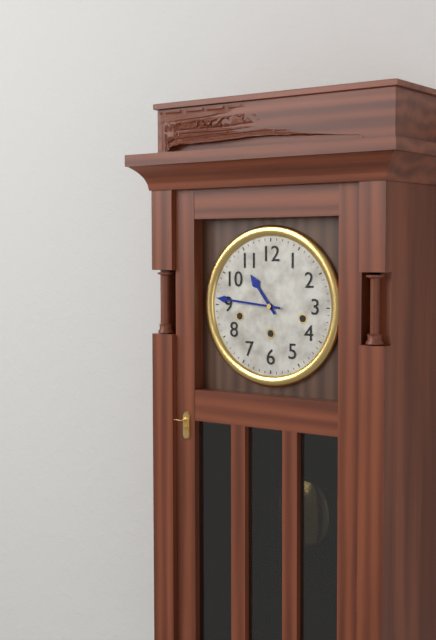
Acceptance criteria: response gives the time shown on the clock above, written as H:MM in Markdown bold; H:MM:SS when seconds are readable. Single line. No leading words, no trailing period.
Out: **10:46**
